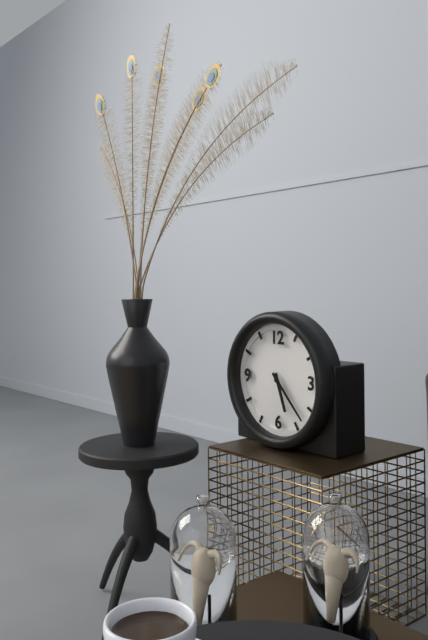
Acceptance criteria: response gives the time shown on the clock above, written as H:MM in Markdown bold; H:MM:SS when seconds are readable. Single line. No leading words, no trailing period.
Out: **5:23**
